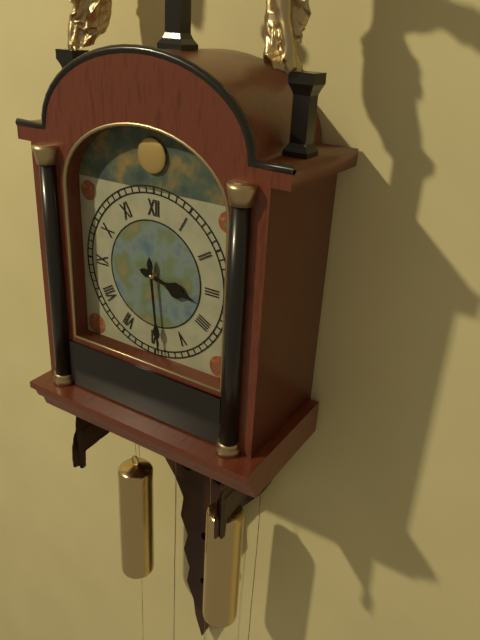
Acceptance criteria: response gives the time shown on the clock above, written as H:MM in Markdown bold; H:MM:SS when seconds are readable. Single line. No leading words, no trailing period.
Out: **3:29**
